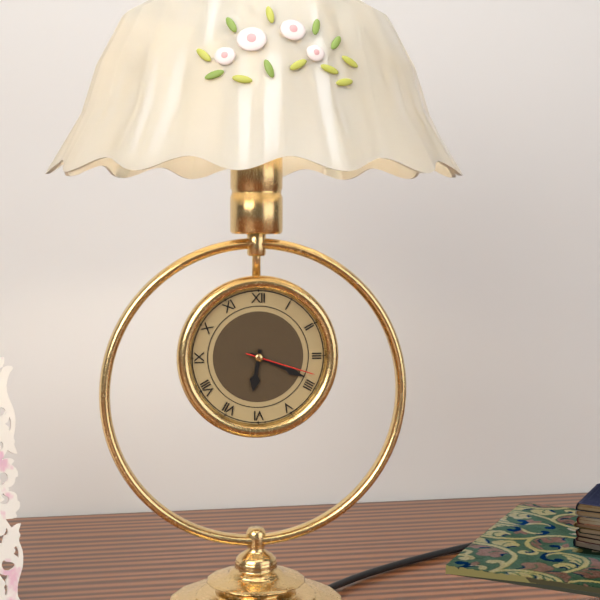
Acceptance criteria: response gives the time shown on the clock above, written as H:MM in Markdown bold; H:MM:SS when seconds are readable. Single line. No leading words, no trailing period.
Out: **6:19:18**
